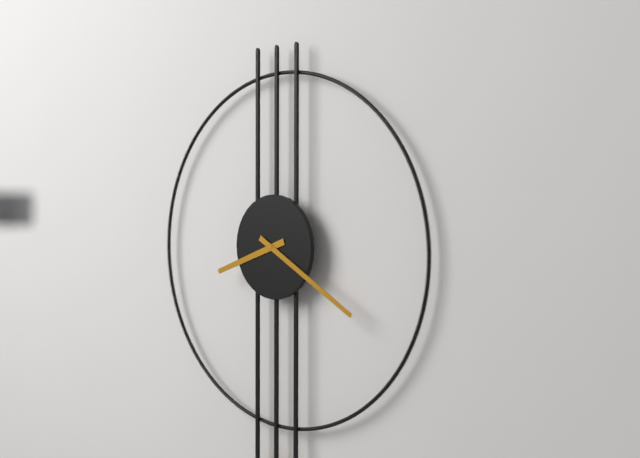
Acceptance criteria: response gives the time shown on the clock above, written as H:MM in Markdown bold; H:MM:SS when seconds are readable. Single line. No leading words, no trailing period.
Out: **8:20**
